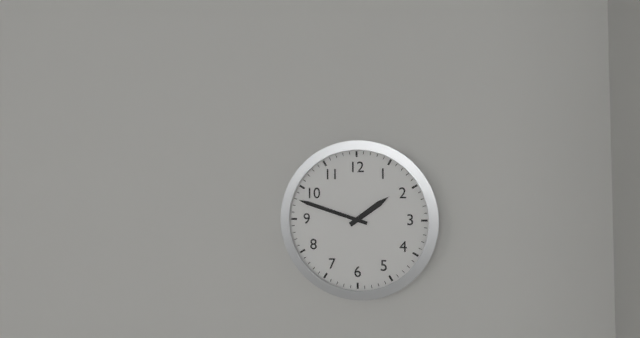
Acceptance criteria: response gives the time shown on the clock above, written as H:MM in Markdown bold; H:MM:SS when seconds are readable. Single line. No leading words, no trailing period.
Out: **1:48**
